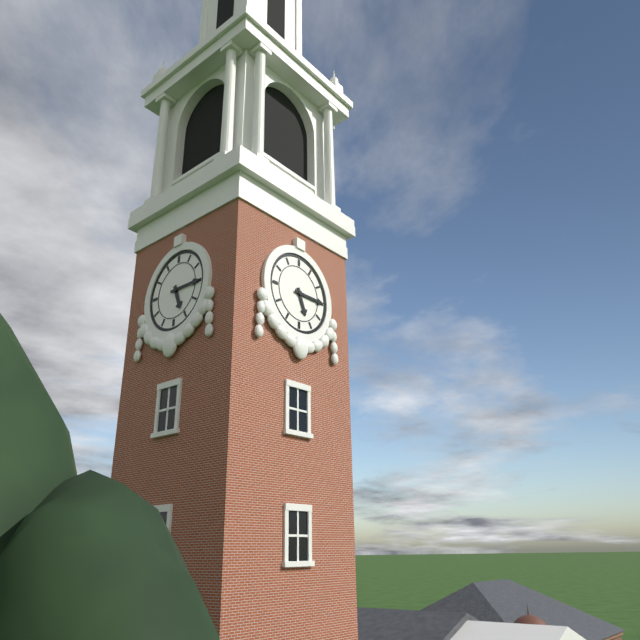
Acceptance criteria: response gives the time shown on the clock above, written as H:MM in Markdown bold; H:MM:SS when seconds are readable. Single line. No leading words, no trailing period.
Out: **5:15**
